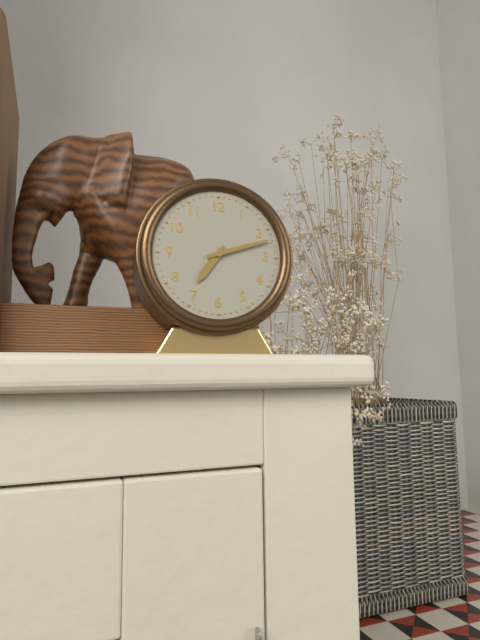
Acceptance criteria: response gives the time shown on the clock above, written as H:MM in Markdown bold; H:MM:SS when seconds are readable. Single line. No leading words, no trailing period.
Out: **7:12**
